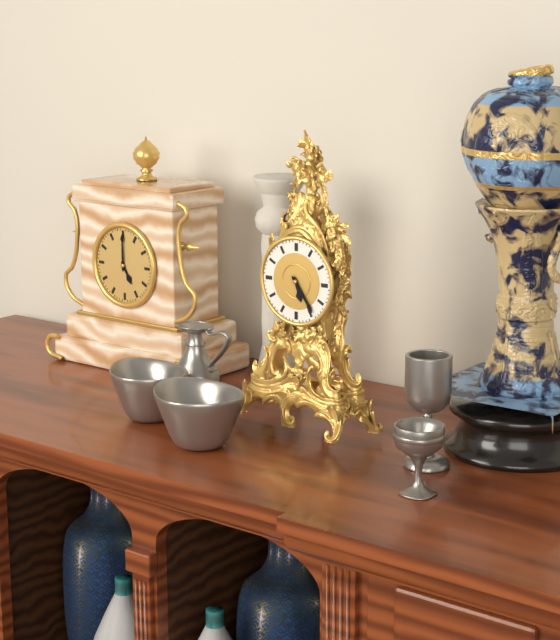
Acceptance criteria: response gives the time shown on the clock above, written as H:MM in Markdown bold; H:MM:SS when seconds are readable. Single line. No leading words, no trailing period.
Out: **5:24**
